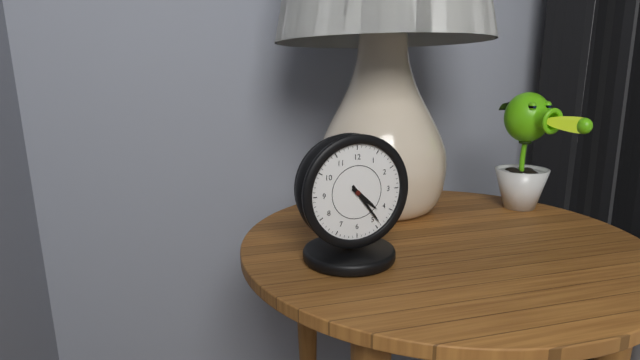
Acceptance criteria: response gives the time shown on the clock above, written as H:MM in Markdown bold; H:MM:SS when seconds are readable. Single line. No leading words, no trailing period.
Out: **4:24**
